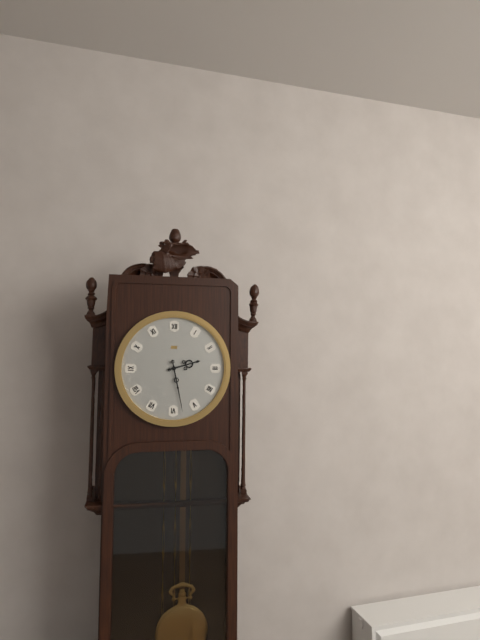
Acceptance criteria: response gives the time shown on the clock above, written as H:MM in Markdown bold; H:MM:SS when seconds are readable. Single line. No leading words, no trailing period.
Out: **2:28**
